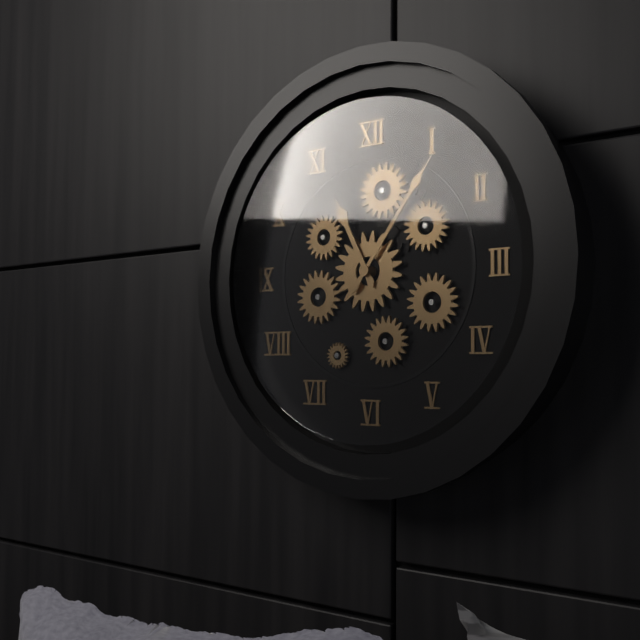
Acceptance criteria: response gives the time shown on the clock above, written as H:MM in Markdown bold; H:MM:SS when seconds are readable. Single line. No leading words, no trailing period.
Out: **11:06**
